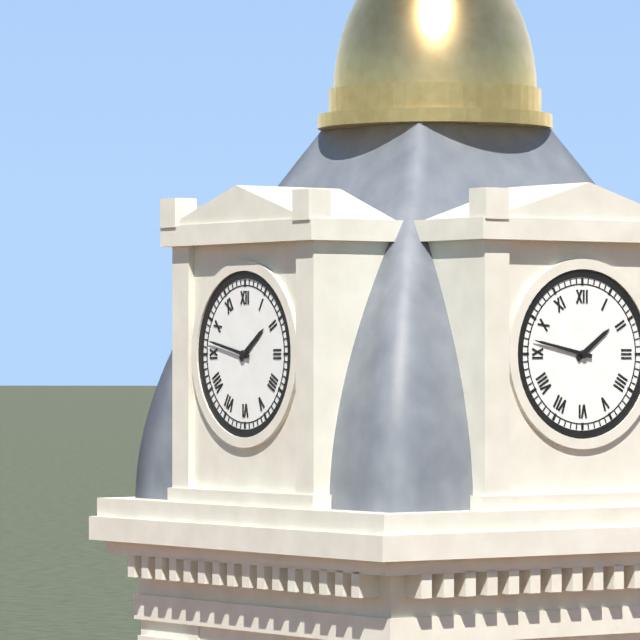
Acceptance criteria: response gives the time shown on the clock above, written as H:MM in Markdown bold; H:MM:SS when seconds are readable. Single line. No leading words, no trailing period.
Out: **1:47**
